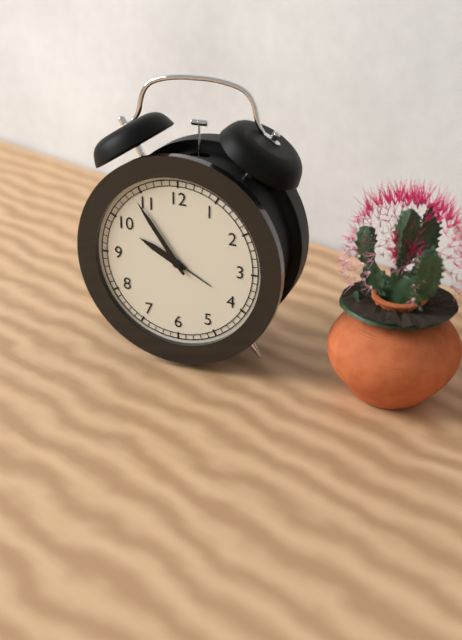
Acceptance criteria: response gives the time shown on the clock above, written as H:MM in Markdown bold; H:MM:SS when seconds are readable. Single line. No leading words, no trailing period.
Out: **9:54**
